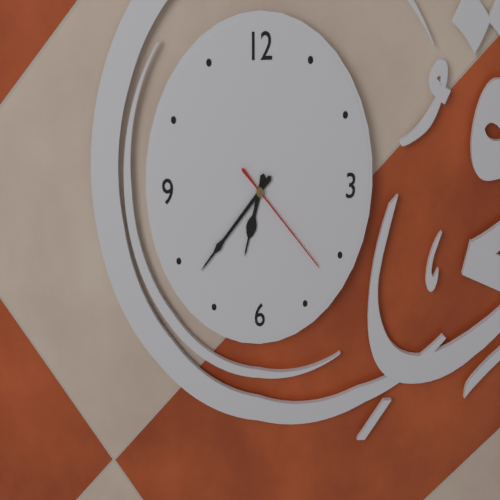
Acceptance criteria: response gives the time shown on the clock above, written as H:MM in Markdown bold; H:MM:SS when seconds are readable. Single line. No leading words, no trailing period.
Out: **6:38:22**
